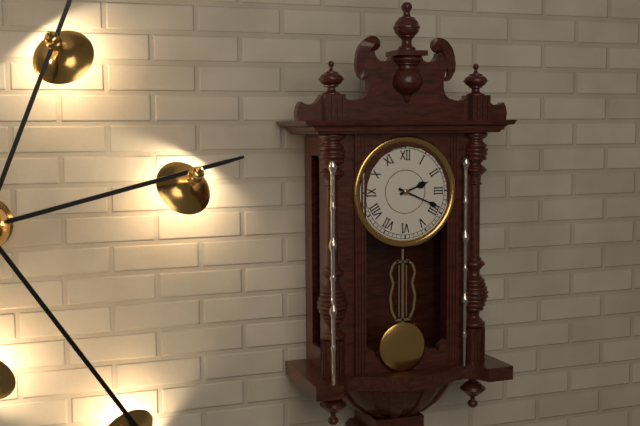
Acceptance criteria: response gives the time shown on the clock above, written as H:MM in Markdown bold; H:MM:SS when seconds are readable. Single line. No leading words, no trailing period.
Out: **2:19**
